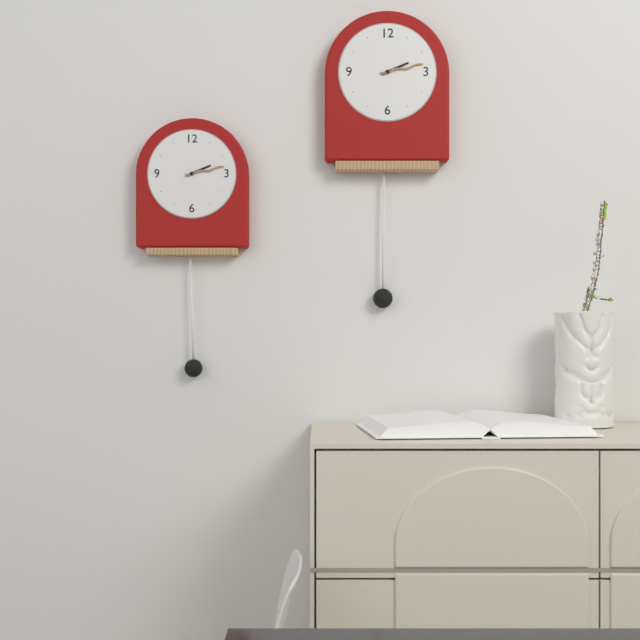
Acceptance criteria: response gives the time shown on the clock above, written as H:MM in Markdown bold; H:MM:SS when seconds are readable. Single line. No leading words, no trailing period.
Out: **2:13**
